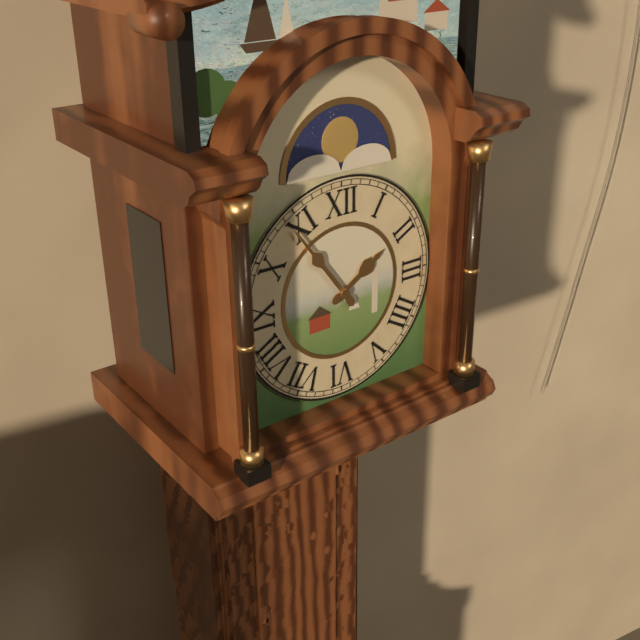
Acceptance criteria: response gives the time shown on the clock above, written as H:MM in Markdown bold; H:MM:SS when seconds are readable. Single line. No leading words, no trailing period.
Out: **1:54**
